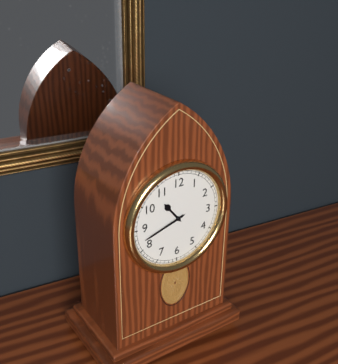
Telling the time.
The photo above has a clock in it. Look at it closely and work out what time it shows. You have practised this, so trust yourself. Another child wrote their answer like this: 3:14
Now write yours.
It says 10:42
